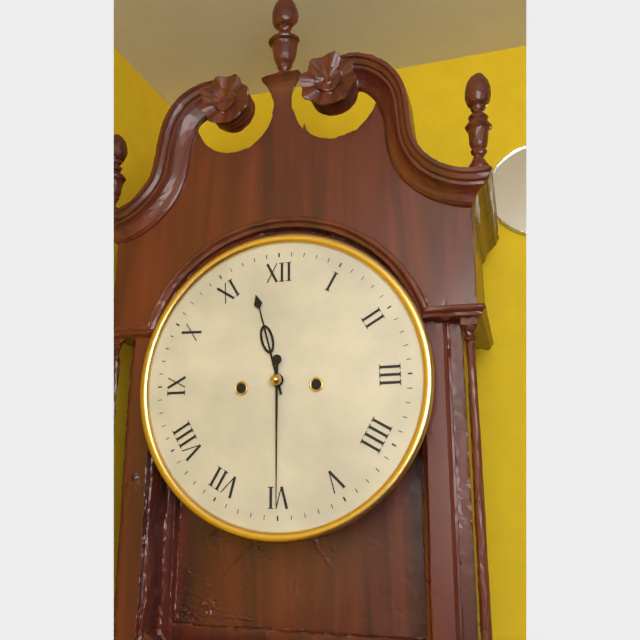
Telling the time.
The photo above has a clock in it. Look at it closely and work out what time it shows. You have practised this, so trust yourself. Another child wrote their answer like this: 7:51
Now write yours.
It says 11:30
